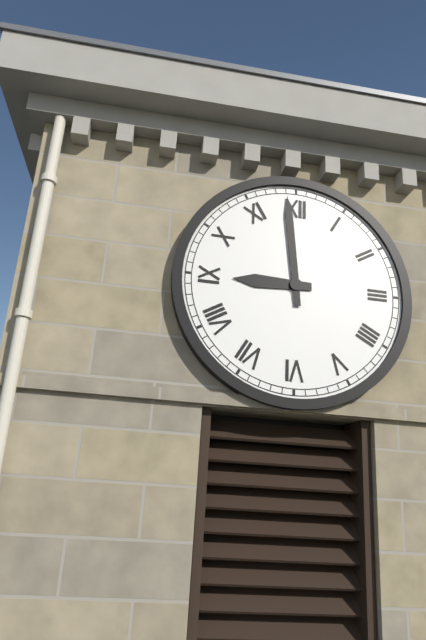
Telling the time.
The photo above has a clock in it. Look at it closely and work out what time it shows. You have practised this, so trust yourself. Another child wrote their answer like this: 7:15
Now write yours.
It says 8:59
